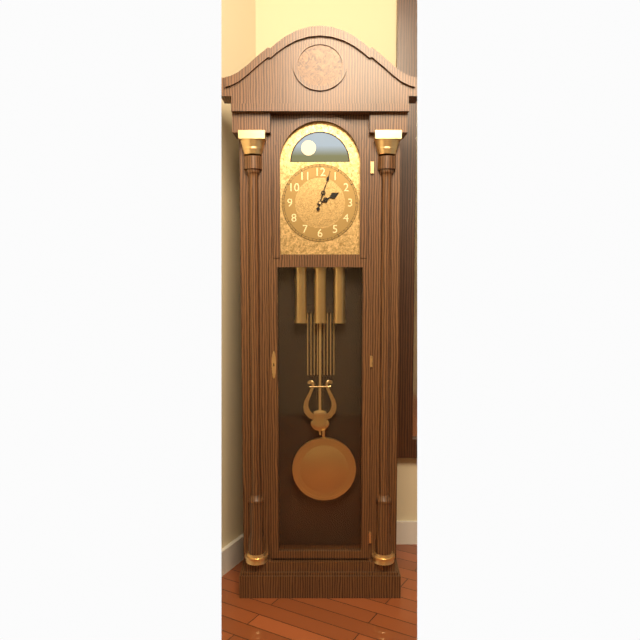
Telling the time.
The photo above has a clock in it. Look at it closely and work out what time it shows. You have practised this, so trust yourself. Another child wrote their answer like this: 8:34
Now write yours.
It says 2:03
